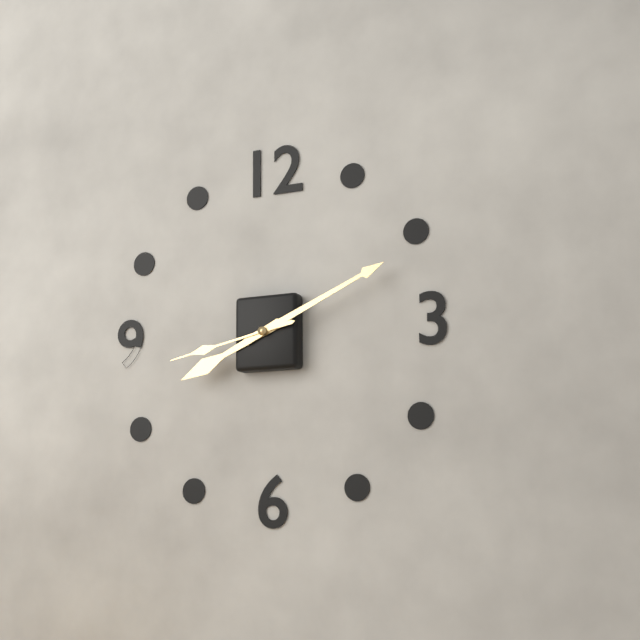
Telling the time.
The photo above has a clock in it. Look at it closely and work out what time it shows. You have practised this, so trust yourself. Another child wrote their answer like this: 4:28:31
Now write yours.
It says 8:11:43
